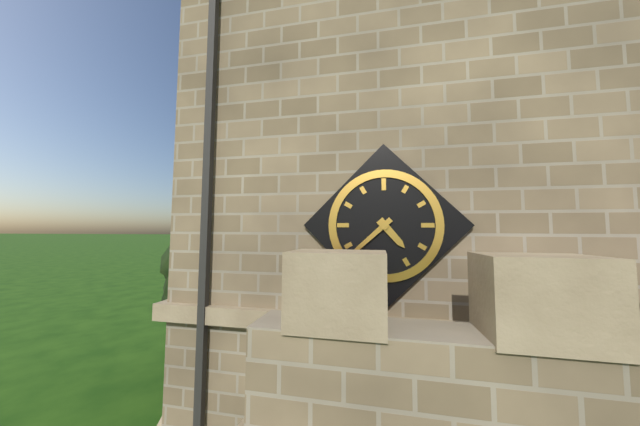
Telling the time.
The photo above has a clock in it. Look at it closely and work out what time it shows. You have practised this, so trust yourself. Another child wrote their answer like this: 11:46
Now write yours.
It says 4:38
